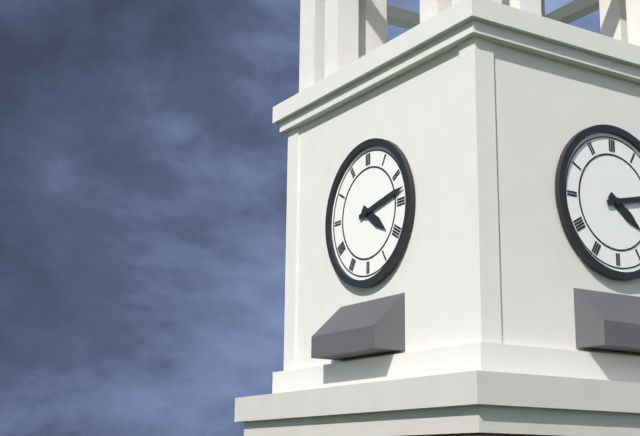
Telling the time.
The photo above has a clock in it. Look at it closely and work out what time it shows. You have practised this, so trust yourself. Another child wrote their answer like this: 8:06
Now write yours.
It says 4:13
